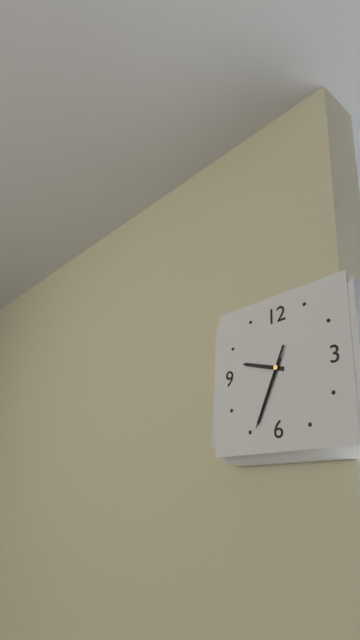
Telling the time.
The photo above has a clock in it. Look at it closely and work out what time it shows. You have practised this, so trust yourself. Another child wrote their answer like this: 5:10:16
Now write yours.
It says 9:34:34
